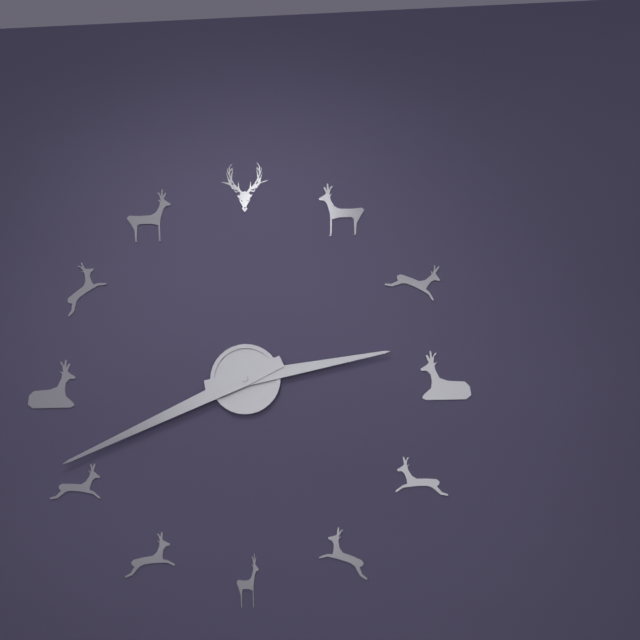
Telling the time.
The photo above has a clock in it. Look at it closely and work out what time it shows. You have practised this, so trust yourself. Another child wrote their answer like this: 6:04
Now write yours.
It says 2:41
